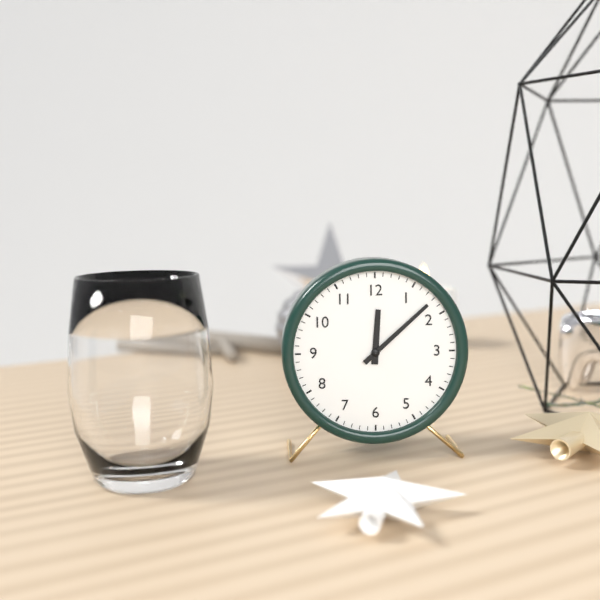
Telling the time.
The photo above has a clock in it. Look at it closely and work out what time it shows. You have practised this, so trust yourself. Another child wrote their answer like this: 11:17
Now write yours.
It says 12:08
